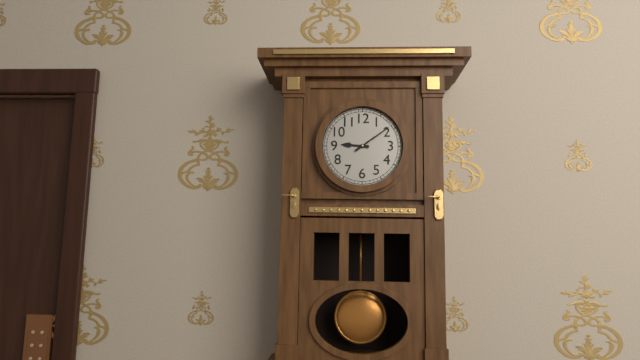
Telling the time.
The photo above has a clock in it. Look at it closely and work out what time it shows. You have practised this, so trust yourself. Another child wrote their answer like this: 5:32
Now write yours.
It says 9:09
